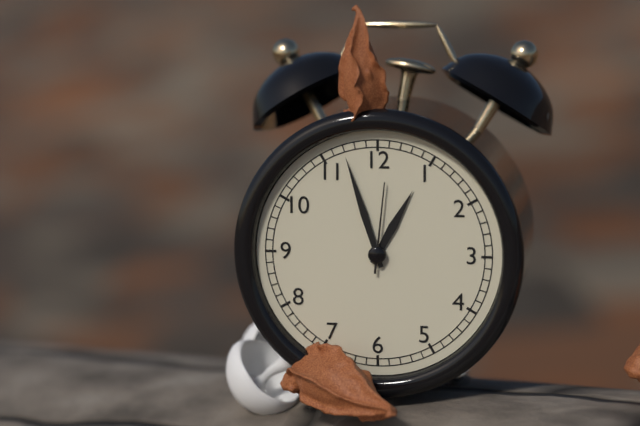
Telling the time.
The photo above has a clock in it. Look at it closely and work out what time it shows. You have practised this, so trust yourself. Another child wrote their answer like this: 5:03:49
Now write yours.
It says 12:57:01
